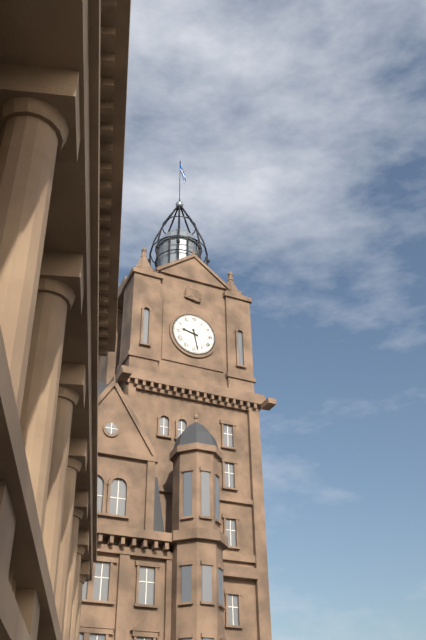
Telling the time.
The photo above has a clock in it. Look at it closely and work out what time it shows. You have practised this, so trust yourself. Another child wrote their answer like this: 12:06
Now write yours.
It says 9:28
